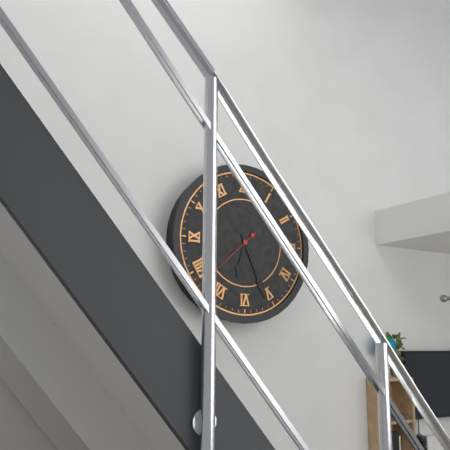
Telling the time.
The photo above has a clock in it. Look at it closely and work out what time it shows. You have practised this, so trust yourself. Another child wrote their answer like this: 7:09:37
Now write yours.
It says 6:26:38
